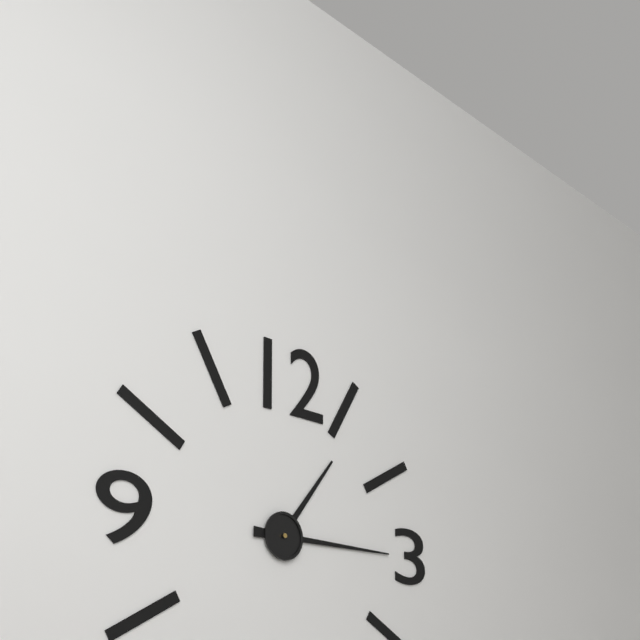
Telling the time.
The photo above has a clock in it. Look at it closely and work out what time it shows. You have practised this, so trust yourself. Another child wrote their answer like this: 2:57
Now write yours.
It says 1:15
